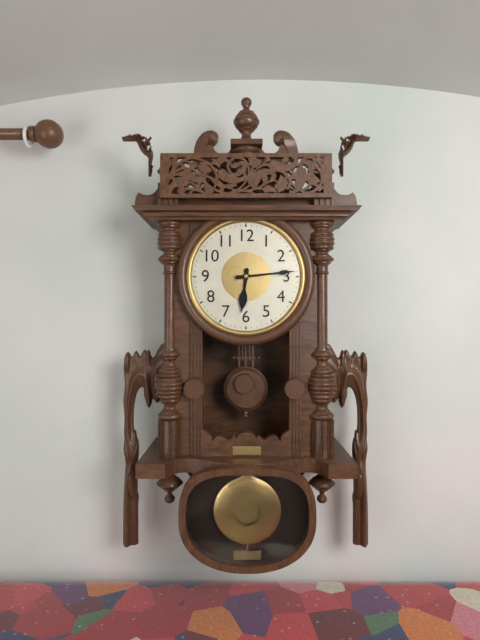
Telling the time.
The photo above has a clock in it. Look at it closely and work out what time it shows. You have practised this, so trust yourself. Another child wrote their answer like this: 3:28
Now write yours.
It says 6:14
